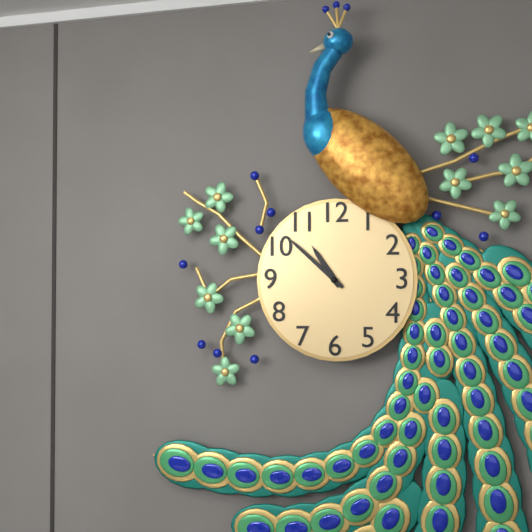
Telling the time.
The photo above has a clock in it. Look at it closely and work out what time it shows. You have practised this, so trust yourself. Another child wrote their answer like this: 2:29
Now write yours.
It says 10:52
